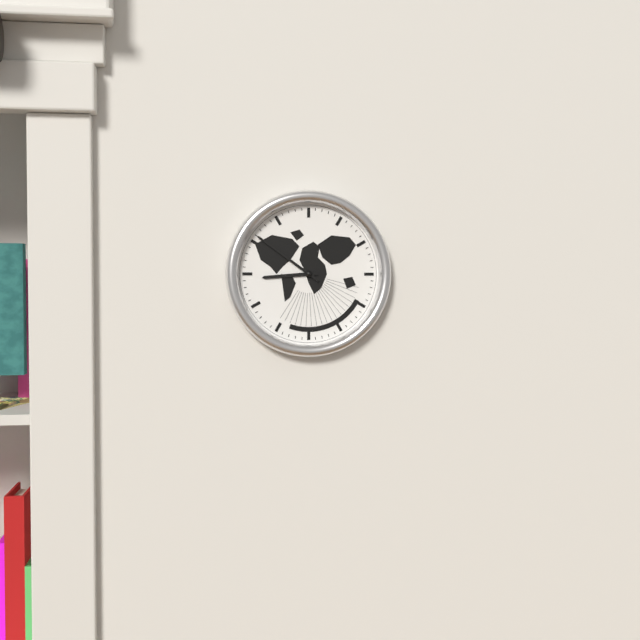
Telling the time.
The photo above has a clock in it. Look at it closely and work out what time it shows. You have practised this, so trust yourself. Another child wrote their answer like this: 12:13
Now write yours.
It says 8:51
